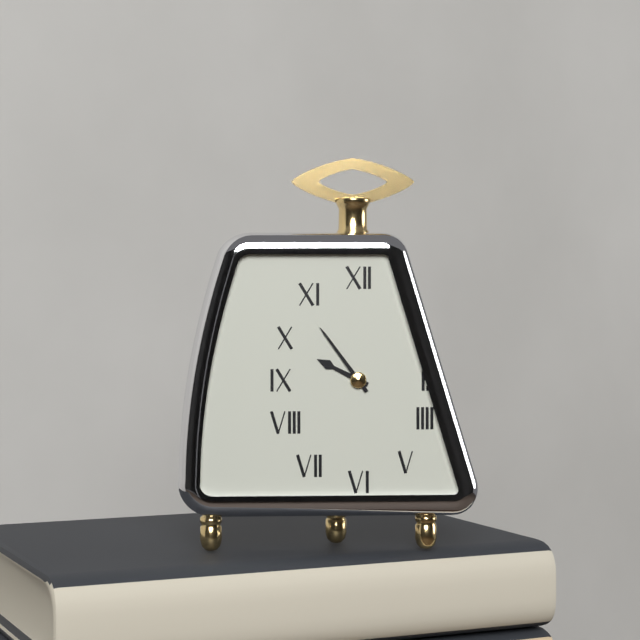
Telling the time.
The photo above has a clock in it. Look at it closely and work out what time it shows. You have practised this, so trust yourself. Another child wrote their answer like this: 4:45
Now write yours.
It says 9:54
